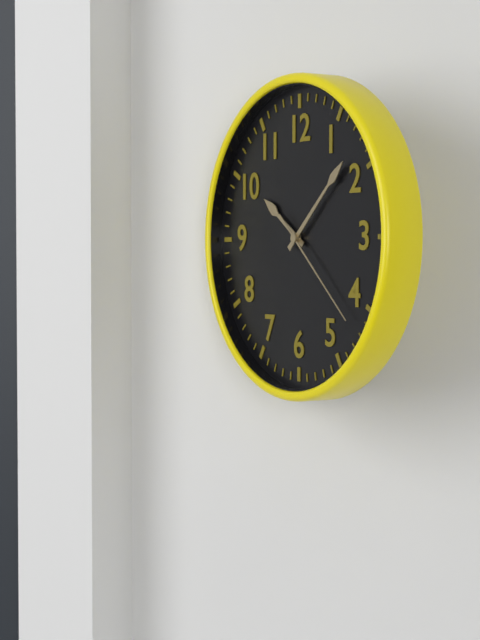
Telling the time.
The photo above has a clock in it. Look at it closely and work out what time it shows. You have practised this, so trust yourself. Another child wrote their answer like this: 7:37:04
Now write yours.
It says 10:08:22
